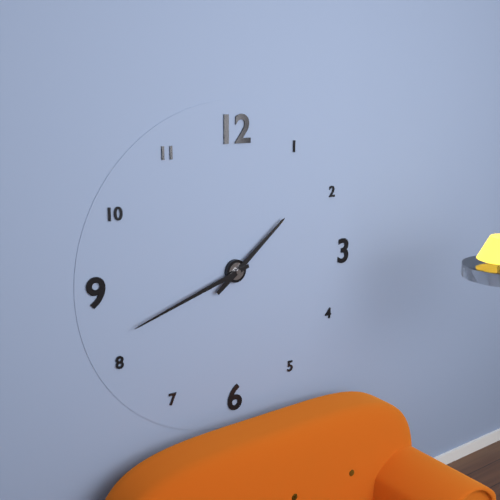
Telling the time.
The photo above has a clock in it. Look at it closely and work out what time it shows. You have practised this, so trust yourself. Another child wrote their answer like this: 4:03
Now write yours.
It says 1:42
